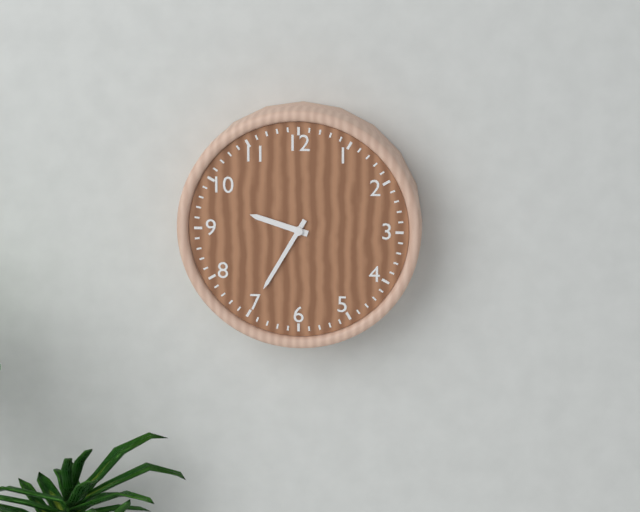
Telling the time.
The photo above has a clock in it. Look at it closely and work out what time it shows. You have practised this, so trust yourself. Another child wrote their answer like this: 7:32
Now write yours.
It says 9:35
